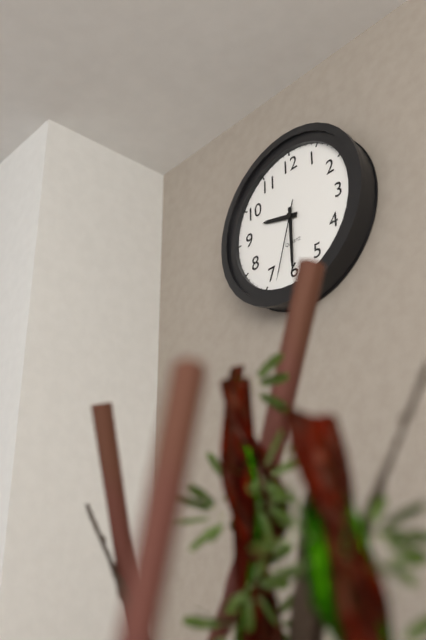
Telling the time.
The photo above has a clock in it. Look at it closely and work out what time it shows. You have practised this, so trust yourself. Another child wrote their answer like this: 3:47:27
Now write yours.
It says 9:30:33
